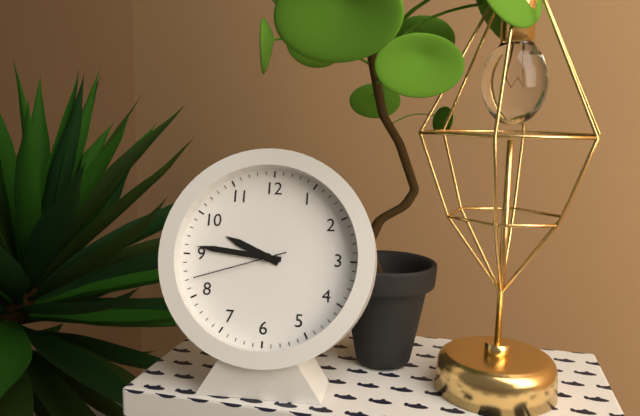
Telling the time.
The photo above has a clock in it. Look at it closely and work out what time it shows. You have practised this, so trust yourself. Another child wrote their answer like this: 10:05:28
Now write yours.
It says 9:46:42
